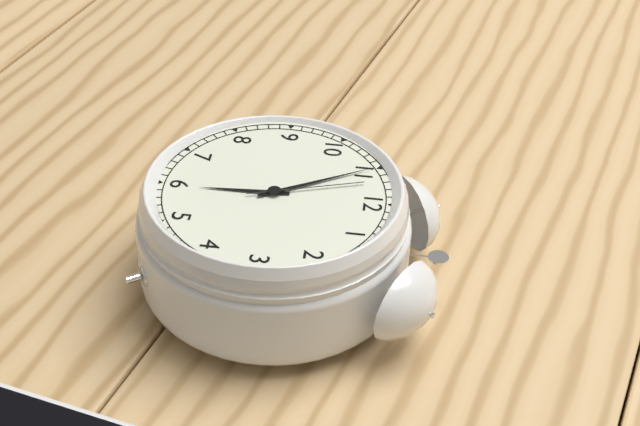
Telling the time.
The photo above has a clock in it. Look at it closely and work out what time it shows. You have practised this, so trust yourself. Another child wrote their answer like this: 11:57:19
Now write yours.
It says 5:55:57
